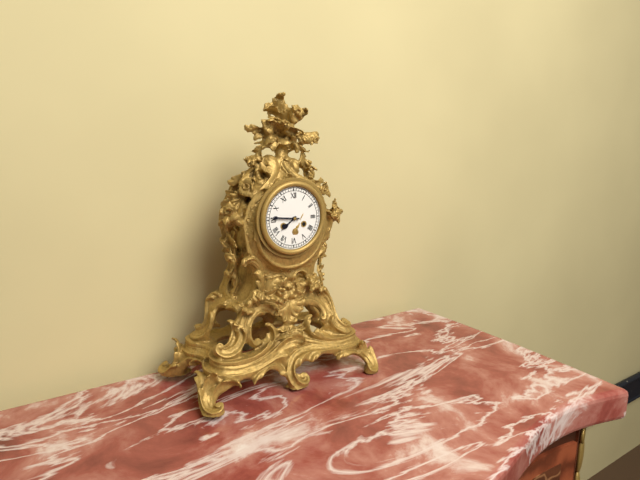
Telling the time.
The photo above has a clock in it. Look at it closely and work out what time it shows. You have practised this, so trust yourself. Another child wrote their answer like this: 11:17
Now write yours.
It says 7:46
